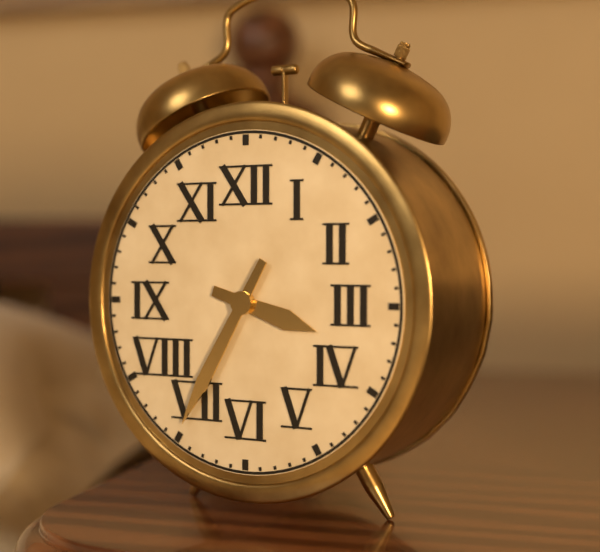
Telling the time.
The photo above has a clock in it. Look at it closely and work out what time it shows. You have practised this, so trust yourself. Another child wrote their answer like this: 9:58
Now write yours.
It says 3:35
